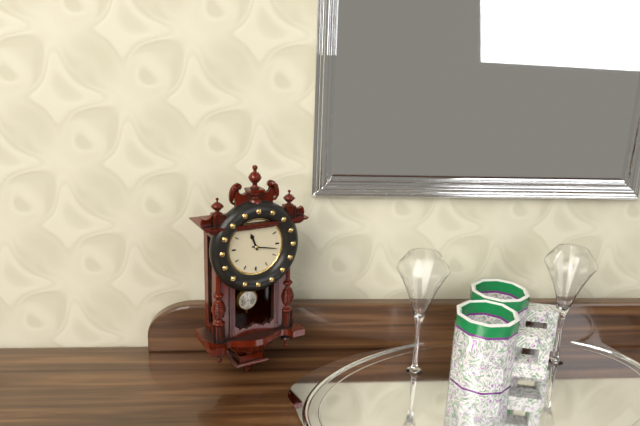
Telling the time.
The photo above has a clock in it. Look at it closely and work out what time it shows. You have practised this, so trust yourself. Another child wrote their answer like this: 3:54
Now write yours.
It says 11:17
